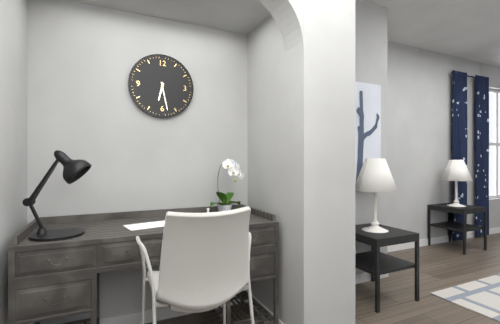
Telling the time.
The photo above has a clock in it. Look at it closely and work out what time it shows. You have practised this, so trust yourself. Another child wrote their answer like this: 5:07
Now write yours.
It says 6:28
